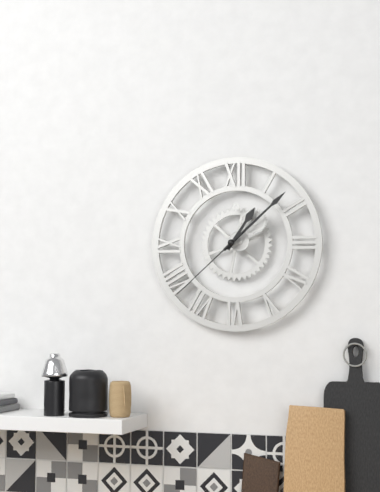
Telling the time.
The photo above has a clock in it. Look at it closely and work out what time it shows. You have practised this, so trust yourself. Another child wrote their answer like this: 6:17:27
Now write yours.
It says 1:08:38
